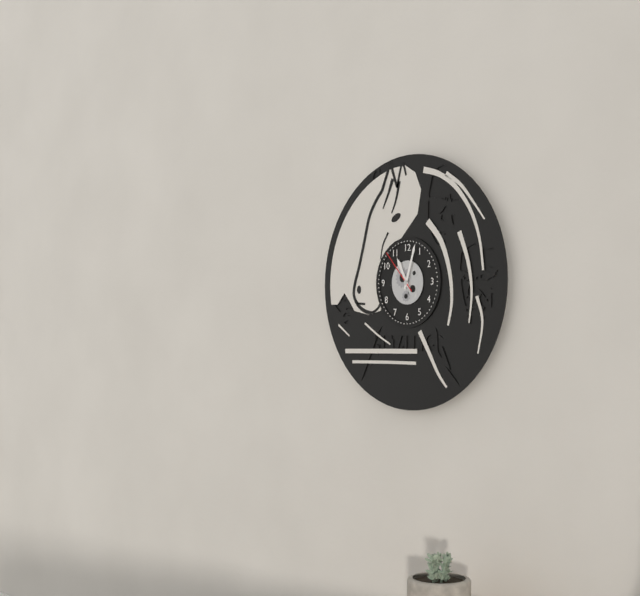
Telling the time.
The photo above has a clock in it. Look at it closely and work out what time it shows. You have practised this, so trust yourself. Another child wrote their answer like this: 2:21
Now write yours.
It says 11:03
